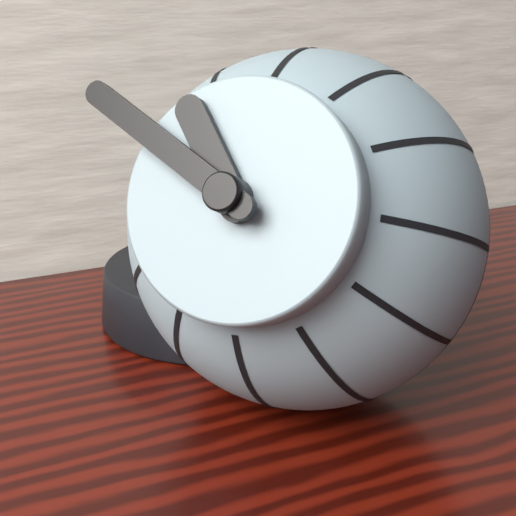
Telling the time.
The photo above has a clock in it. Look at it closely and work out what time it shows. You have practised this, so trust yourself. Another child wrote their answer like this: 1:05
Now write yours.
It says 10:50
